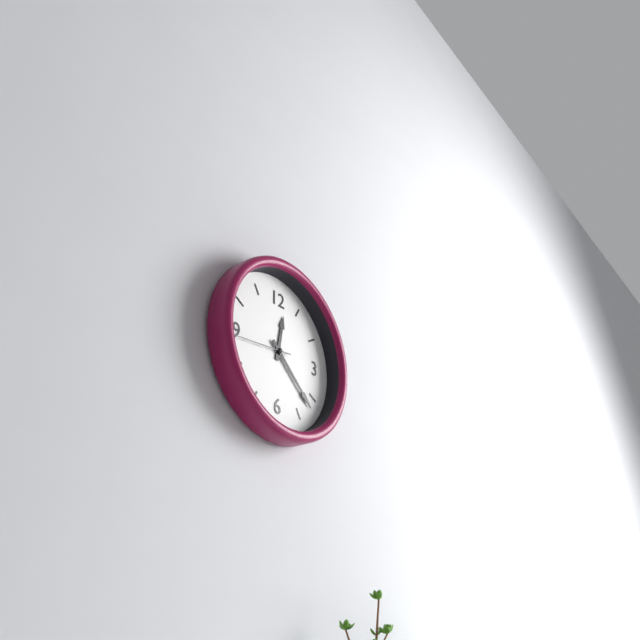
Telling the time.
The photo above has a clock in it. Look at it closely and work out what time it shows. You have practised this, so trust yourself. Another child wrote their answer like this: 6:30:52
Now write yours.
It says 12:22:44
